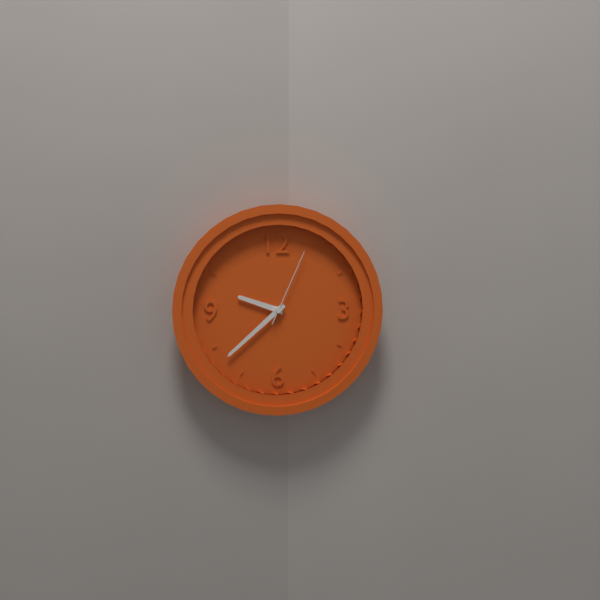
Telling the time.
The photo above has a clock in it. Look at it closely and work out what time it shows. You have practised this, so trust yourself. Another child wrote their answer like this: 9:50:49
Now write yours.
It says 9:38:04
